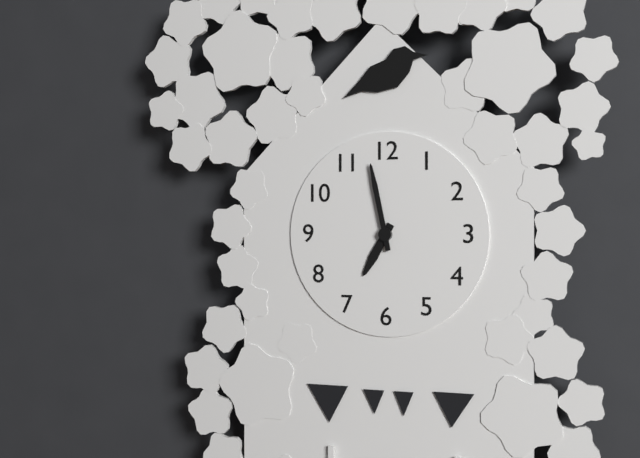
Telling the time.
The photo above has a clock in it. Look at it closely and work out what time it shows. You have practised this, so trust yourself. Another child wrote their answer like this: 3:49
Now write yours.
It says 6:58
